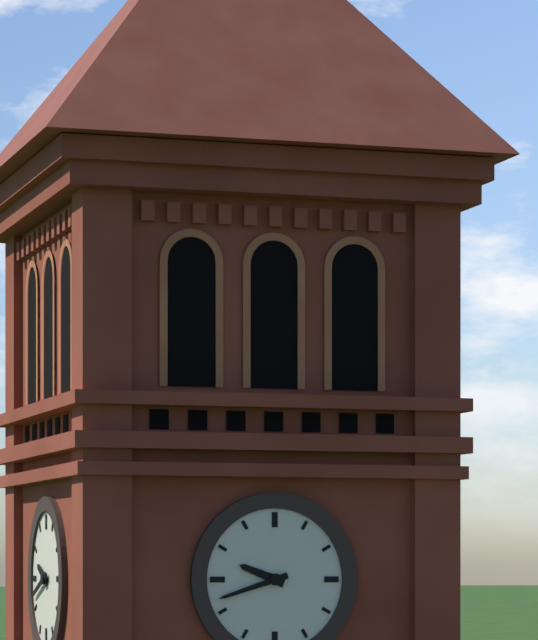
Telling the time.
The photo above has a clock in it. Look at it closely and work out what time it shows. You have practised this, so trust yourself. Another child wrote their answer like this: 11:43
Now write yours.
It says 9:42
